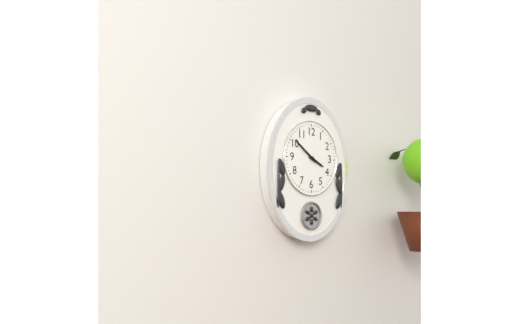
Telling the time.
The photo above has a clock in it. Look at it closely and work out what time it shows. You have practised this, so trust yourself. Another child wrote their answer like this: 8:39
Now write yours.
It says 3:51
